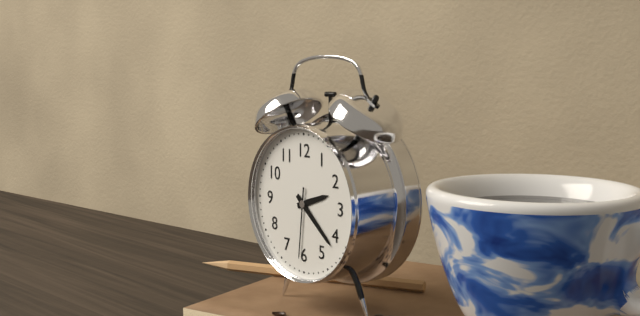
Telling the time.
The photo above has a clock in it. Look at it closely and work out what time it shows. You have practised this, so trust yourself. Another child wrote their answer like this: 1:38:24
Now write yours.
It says 2:22:31
